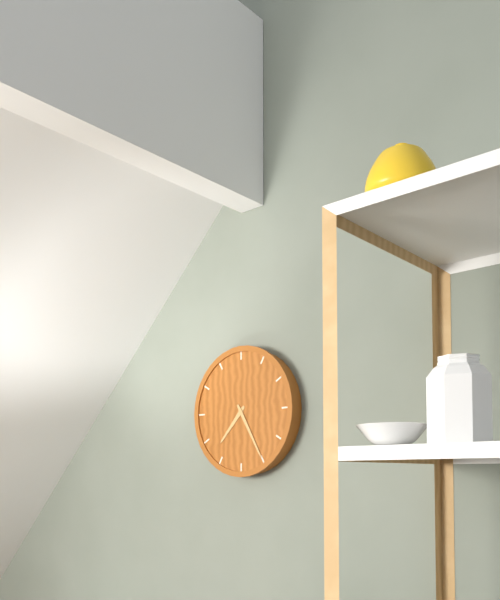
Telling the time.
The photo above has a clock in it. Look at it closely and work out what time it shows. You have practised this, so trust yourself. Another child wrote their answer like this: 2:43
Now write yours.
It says 7:25
